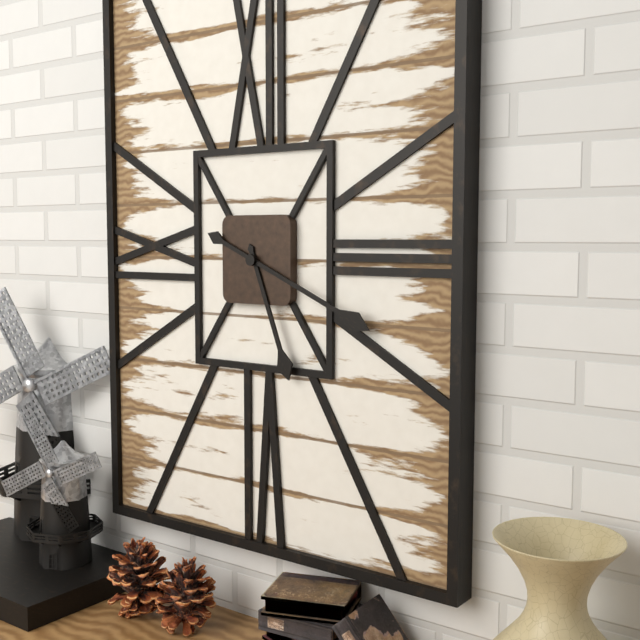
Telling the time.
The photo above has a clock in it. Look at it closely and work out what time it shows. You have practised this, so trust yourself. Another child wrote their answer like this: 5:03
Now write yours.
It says 5:19
